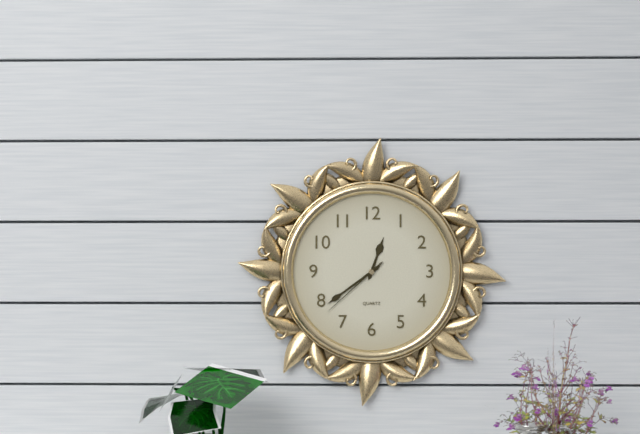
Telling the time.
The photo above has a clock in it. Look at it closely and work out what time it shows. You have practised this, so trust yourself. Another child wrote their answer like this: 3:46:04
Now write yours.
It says 12:39:38
